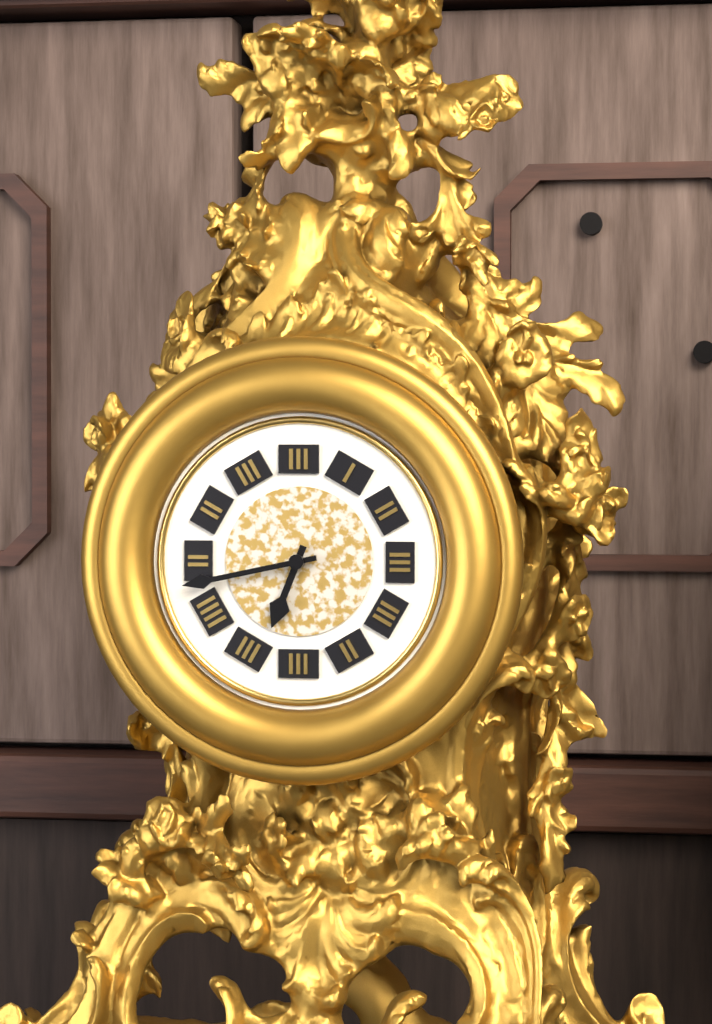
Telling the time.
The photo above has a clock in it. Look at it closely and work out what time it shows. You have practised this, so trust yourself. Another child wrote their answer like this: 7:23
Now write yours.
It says 6:43
